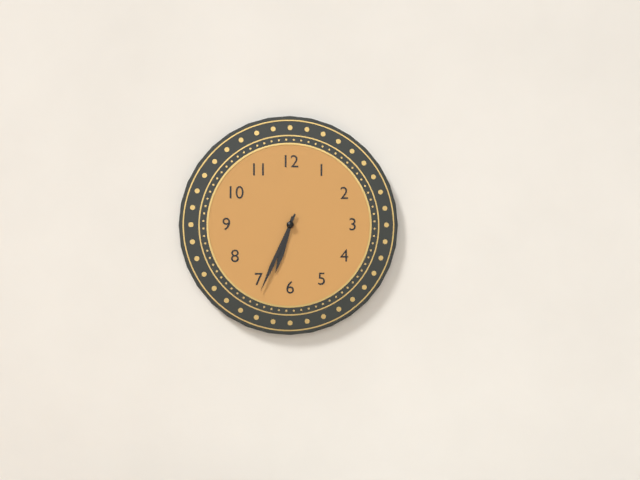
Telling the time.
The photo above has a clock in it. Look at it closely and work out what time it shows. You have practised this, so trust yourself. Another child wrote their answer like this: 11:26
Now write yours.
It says 6:34
